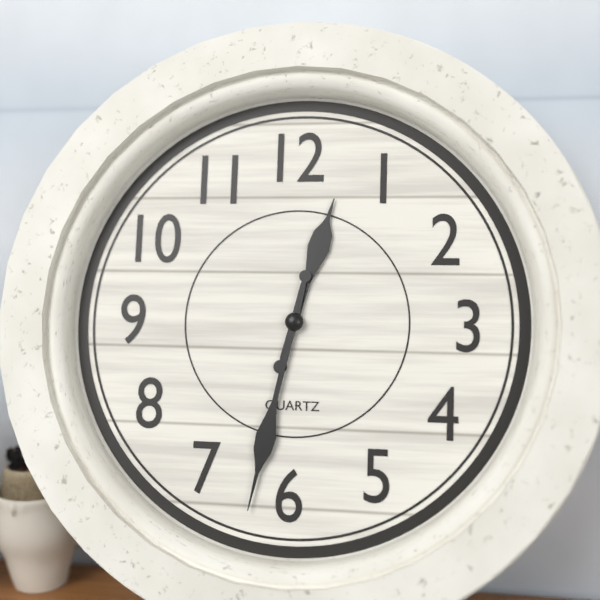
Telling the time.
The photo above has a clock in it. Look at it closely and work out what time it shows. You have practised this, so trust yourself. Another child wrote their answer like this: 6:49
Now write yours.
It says 12:32
